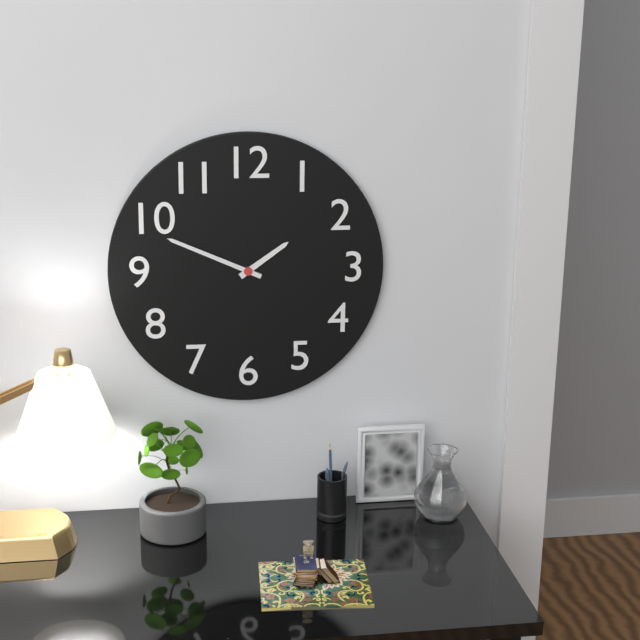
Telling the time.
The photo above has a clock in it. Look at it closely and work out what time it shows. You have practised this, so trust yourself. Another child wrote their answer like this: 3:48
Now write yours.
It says 1:49
